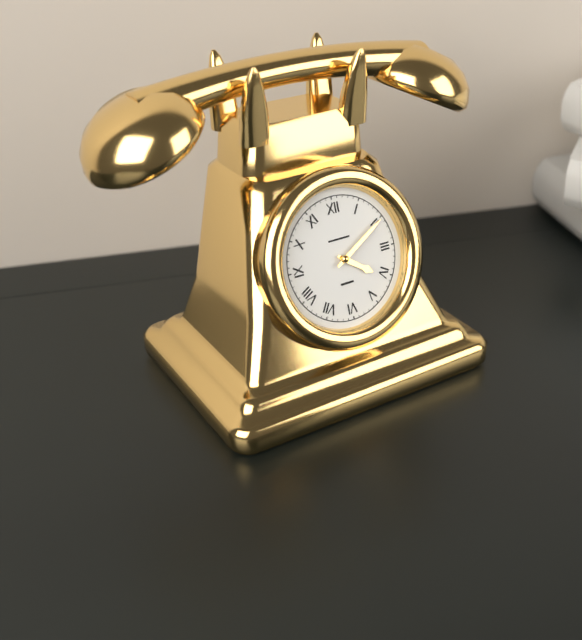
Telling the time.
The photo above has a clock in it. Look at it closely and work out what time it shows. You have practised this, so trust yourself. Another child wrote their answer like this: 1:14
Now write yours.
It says 4:10
